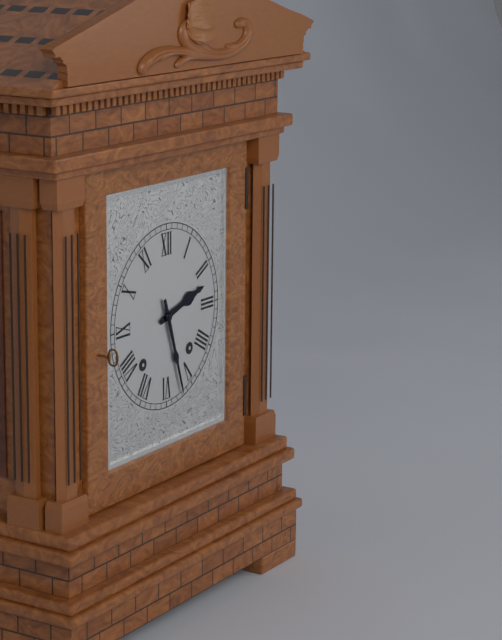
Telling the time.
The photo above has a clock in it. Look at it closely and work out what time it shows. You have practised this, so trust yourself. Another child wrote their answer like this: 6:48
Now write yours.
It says 2:27
